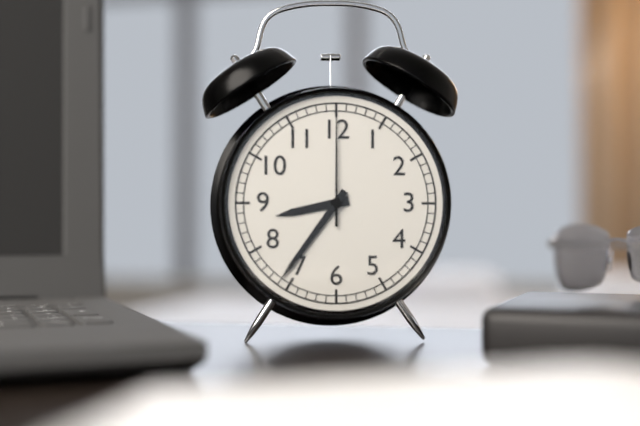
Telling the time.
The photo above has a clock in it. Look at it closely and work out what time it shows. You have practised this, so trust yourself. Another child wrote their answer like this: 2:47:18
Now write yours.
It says 8:36:00
